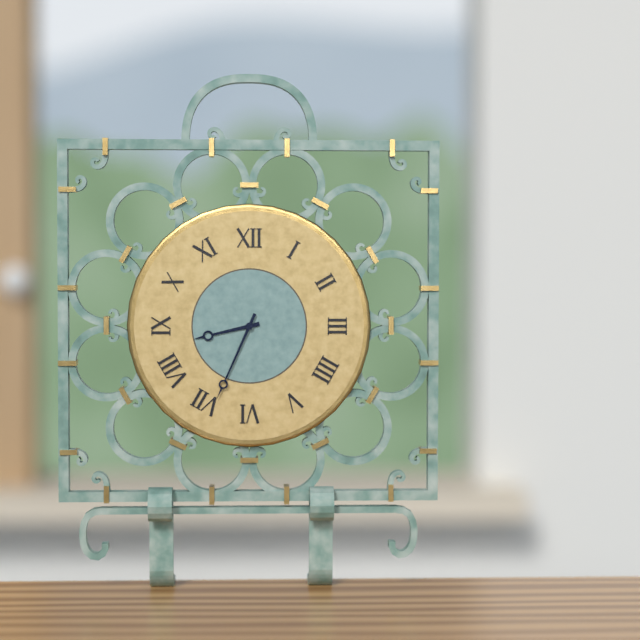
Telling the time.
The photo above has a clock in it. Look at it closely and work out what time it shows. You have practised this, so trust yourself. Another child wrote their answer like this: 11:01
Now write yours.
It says 8:34
